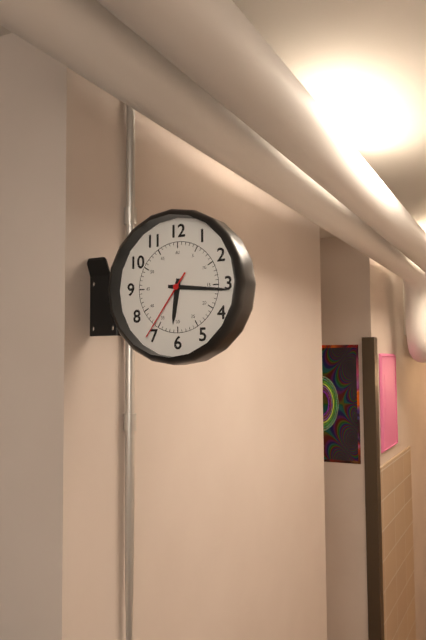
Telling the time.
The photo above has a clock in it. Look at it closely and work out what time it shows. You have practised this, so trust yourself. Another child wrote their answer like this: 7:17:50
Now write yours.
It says 6:16:36
